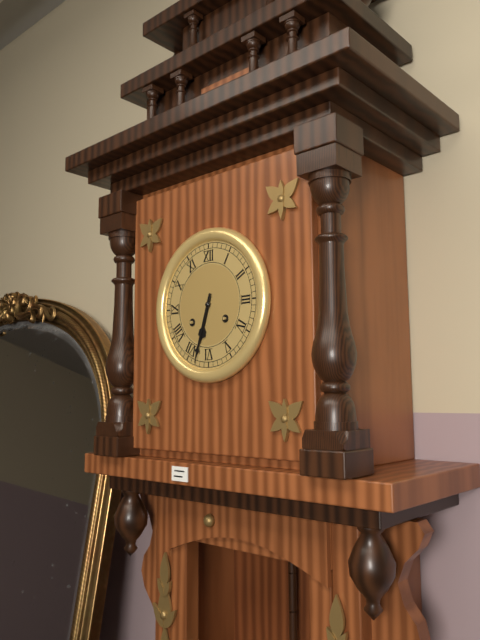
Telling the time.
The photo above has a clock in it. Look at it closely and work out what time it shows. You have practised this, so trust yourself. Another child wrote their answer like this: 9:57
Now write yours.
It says 6:33
